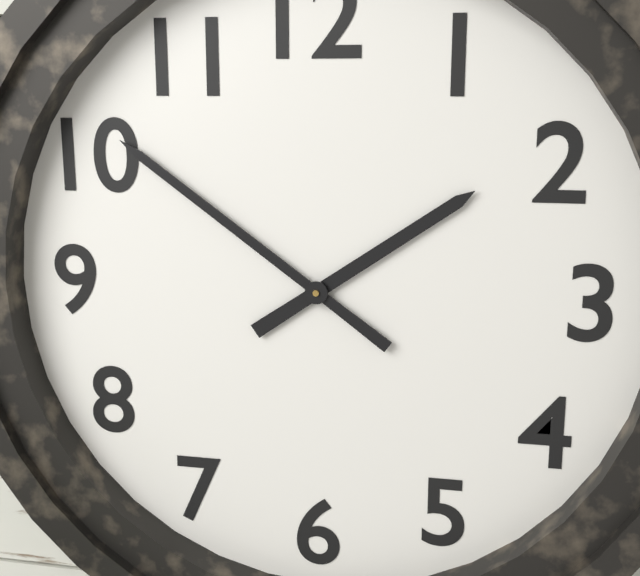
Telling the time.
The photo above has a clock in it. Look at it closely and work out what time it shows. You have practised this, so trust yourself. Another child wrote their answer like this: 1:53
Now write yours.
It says 1:51
